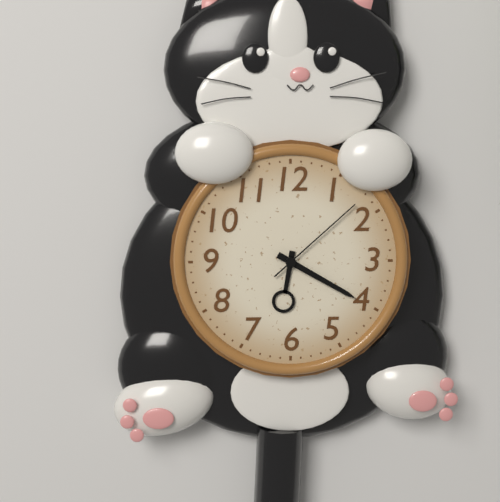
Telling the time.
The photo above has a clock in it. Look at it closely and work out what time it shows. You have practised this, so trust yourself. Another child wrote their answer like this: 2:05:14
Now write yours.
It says 6:20:08
